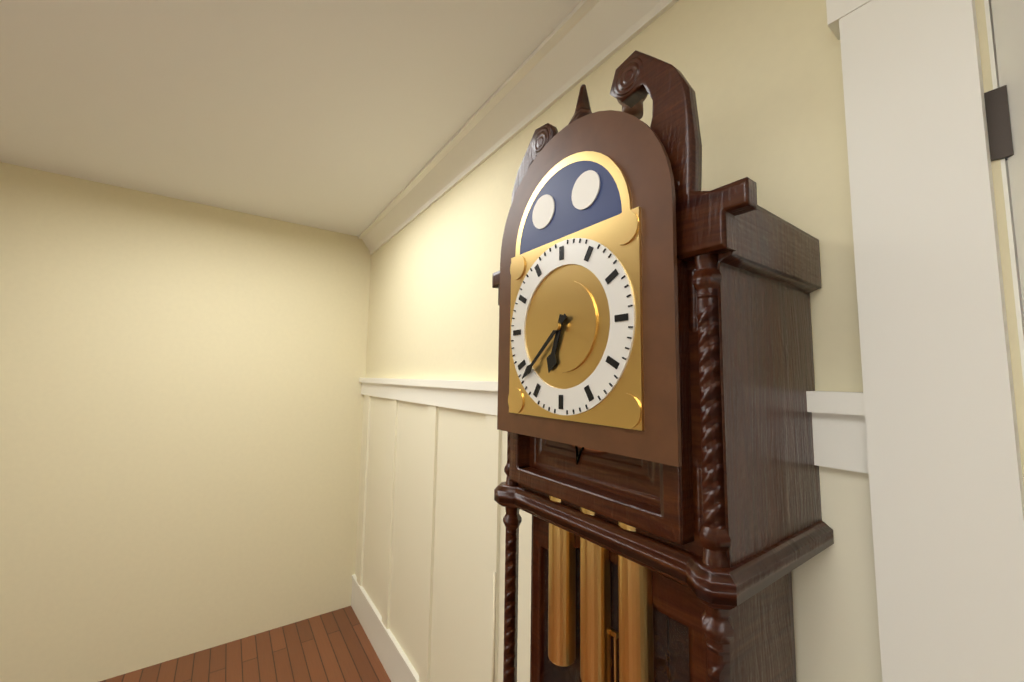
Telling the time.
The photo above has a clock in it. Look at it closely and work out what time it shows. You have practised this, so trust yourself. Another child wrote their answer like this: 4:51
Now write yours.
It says 6:38
